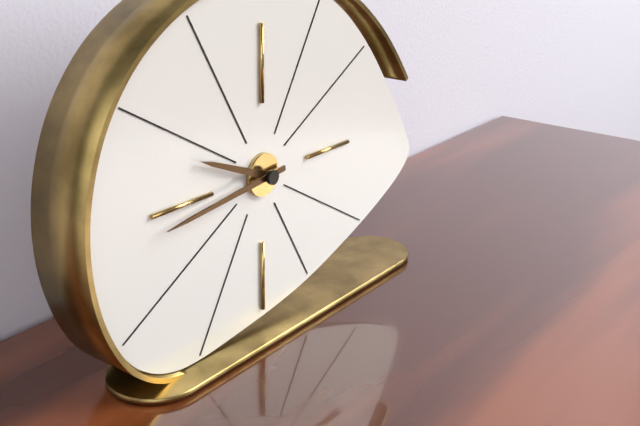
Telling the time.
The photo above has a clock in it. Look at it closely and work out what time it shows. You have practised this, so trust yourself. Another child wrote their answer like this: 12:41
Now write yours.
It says 9:44
